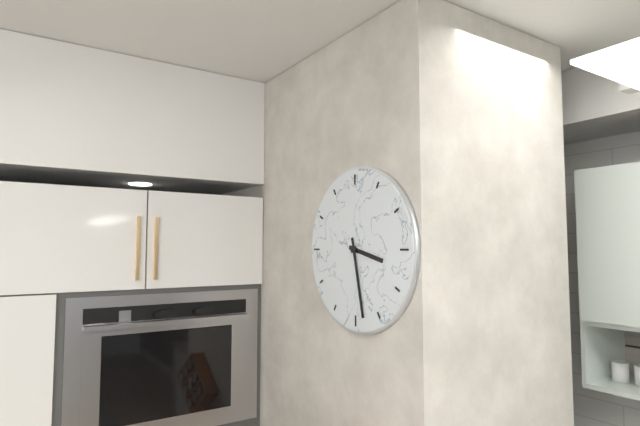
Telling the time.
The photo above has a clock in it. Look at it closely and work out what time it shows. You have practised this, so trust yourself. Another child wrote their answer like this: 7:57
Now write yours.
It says 3:28
